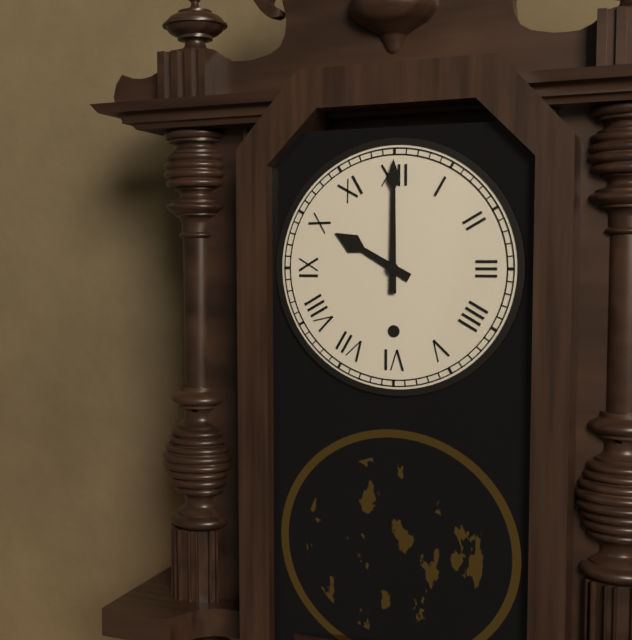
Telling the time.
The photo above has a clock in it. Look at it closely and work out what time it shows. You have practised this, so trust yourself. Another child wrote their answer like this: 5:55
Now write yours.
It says 10:00
